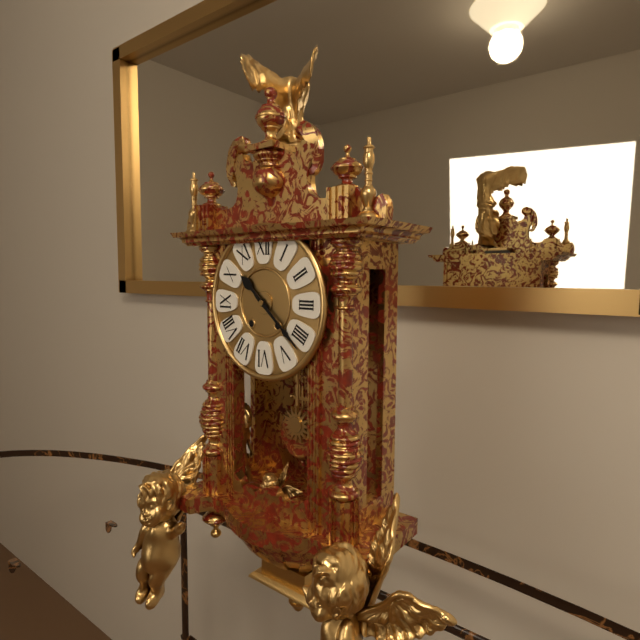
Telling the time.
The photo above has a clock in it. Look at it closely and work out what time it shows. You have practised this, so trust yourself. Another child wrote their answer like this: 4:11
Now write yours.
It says 10:22
